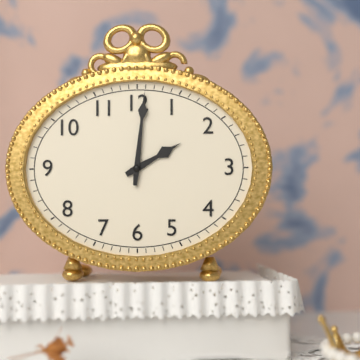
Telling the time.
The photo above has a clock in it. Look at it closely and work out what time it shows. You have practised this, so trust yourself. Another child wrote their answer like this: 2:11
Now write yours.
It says 2:01
